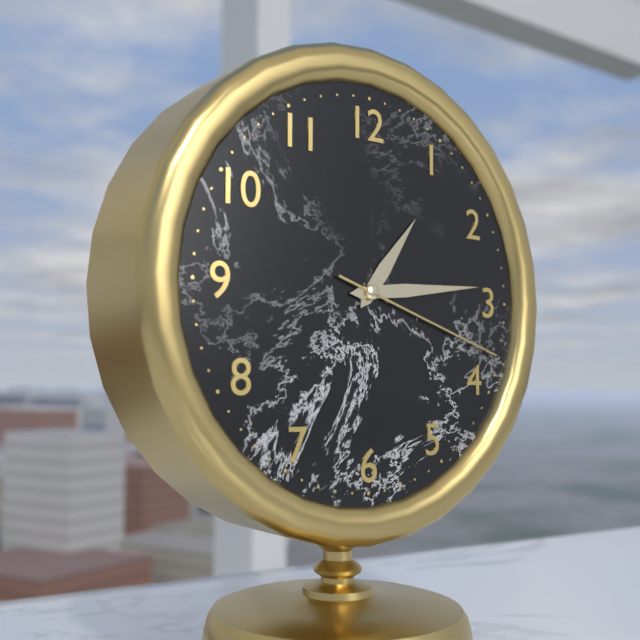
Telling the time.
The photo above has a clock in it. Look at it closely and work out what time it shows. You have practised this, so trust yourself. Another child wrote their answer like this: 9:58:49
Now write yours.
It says 1:14:18
